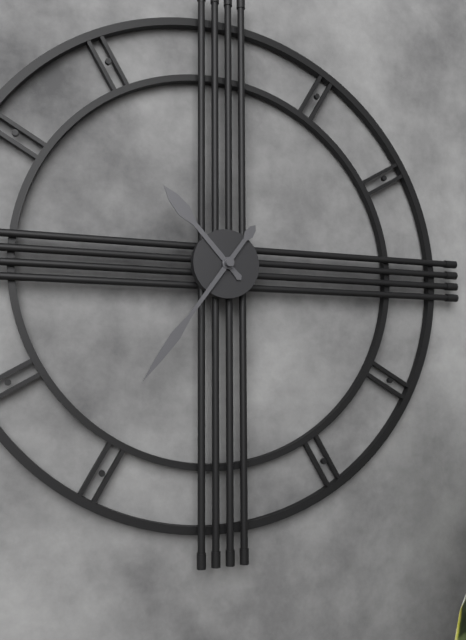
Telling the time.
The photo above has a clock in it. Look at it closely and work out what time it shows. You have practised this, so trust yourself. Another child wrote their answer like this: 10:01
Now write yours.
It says 10:36
